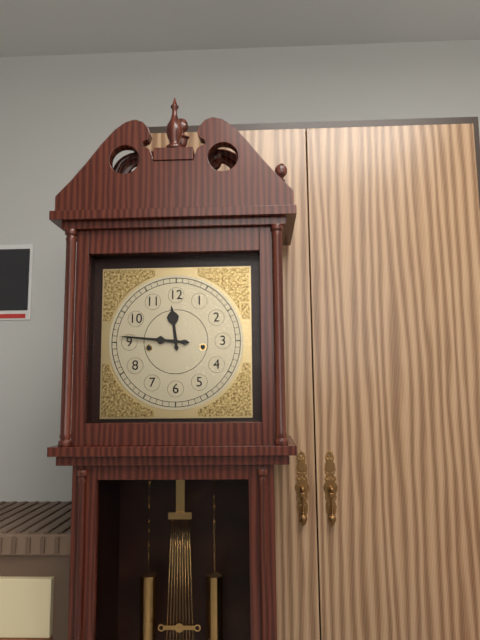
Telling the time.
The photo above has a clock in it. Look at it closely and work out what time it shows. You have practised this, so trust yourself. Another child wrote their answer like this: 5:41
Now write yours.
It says 11:46
